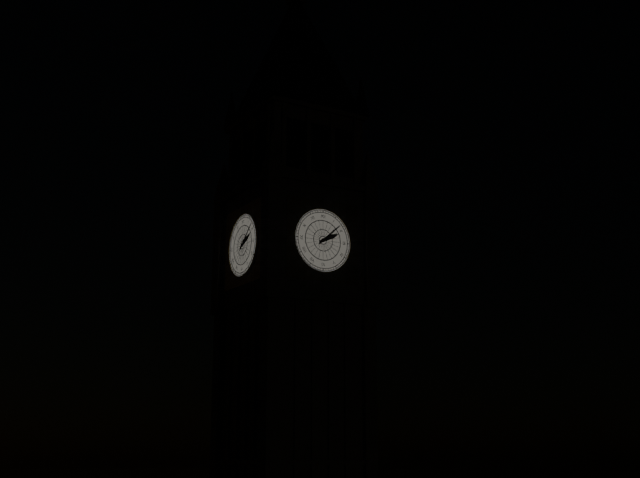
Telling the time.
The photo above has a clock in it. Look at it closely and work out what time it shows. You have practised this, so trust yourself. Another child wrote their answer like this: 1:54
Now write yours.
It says 2:08
